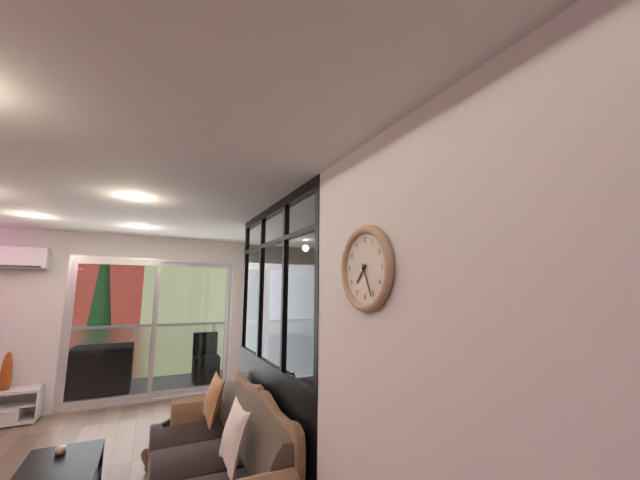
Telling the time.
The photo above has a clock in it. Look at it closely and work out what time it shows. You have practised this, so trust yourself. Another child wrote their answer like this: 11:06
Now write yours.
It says 7:26
